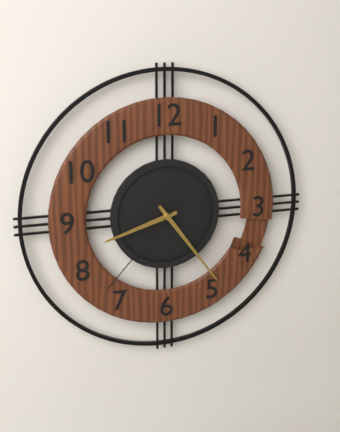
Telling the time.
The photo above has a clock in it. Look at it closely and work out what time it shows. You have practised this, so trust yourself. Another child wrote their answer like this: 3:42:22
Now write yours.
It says 8:24:37
